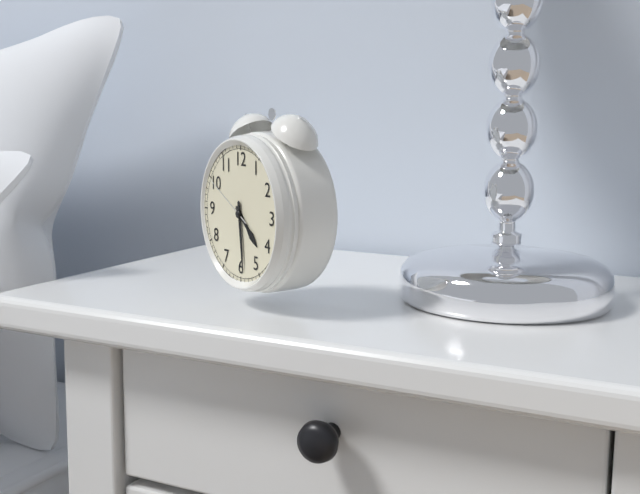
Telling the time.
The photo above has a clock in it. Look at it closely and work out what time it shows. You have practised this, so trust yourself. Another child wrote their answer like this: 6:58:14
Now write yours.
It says 4:29:50
